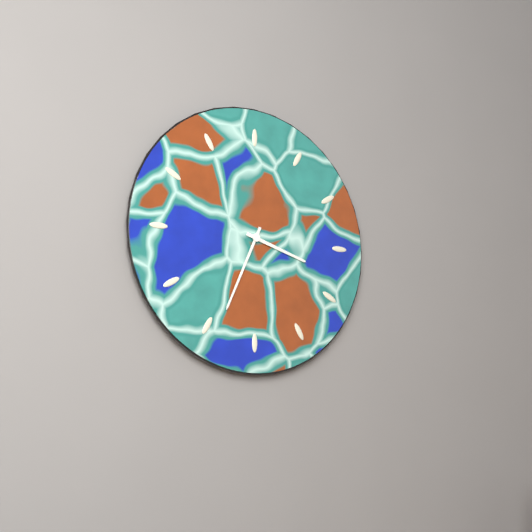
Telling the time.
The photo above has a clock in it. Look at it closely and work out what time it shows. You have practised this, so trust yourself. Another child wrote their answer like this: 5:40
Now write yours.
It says 3:34
